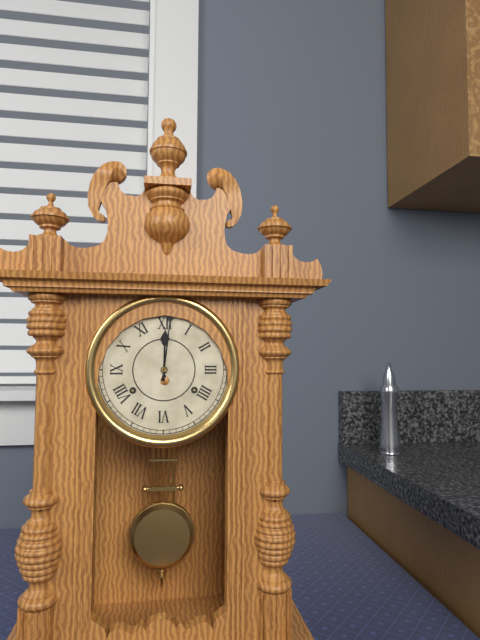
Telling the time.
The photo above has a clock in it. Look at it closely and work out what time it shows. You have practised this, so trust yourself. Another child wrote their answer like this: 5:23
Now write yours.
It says 12:01
